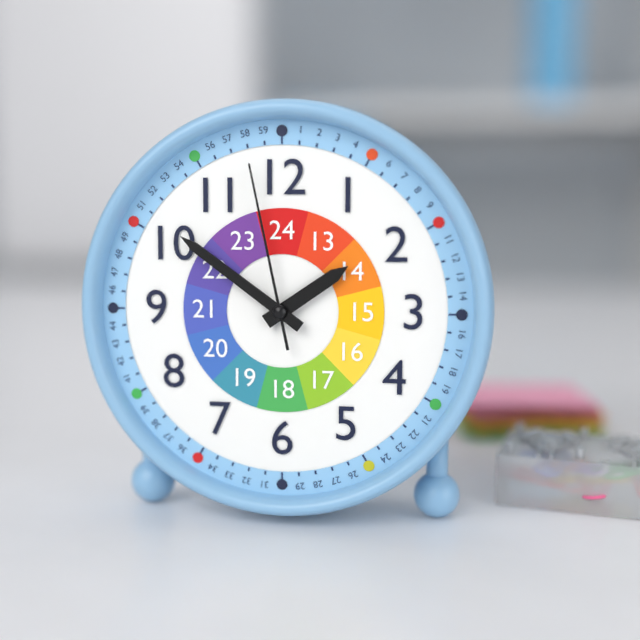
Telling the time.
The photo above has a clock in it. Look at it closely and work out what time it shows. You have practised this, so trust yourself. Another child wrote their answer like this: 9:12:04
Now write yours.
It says 1:51:58
